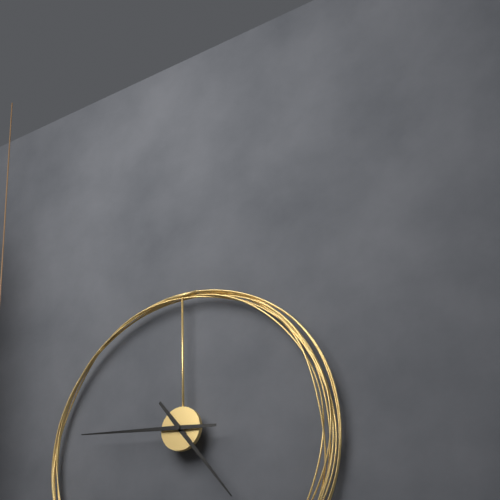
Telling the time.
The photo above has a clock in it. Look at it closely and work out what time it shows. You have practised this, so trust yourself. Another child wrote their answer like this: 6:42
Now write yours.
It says 4:46
